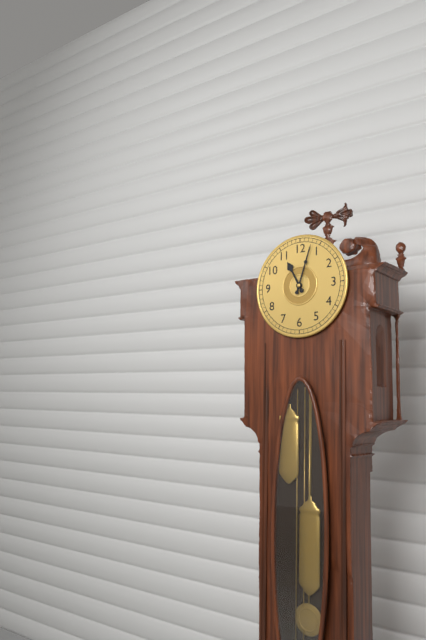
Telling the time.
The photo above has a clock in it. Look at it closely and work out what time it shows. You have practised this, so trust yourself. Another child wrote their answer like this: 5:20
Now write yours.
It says 11:03
